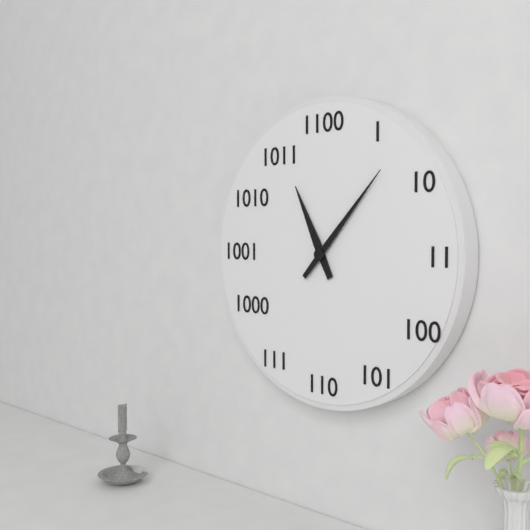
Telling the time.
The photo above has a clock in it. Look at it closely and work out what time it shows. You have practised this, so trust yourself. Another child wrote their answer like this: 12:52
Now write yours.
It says 11:07
